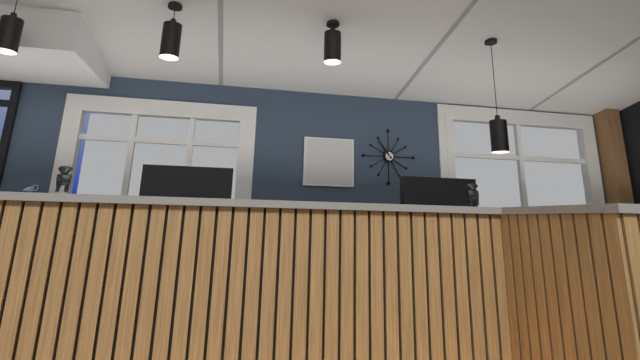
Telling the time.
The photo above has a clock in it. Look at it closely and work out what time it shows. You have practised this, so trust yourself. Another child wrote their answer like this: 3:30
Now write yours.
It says 10:53
